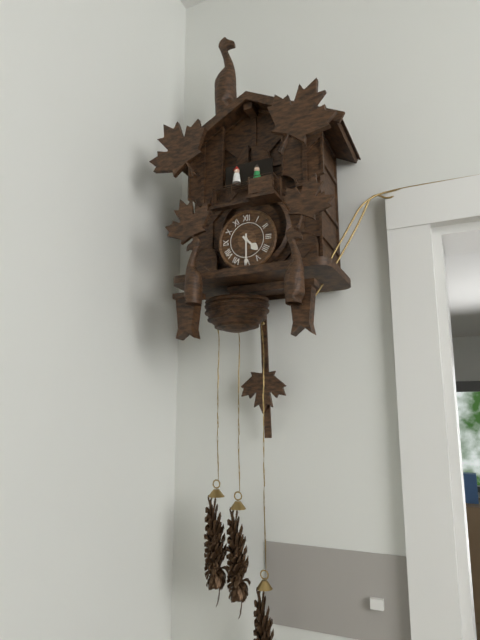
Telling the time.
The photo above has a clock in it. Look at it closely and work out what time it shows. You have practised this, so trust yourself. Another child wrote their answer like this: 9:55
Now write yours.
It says 4:30
